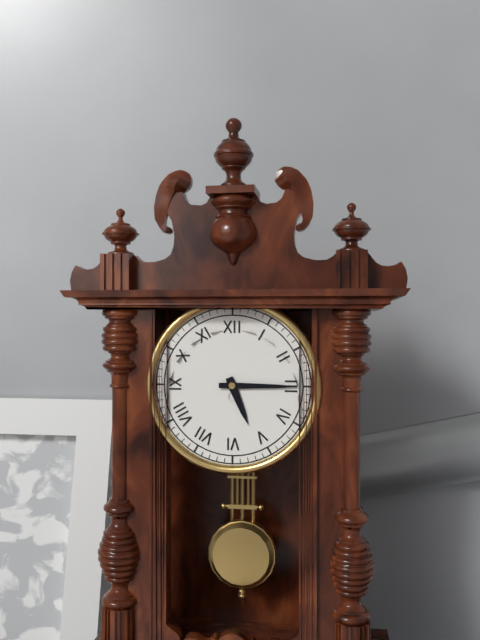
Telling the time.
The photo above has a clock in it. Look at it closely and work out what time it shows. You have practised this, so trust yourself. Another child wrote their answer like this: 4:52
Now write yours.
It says 5:15
